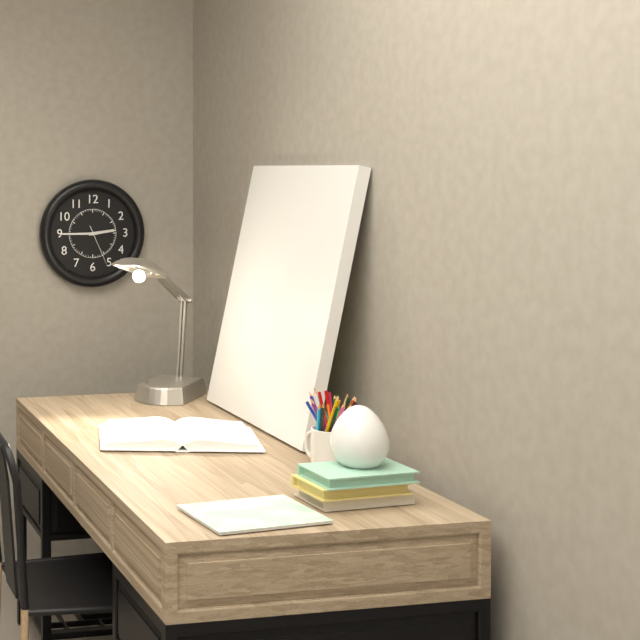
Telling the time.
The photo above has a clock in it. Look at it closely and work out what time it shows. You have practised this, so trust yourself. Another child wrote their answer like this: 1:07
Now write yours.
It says 2:45
